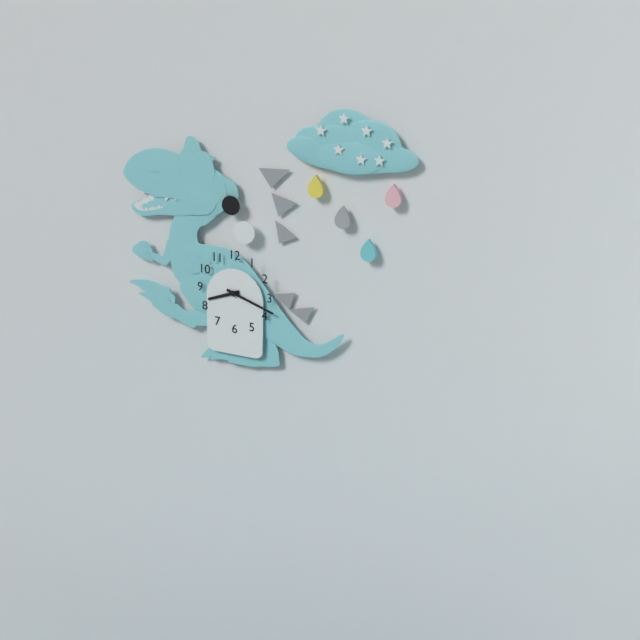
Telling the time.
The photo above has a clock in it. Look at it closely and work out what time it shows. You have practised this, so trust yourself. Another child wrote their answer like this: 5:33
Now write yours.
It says 8:18
